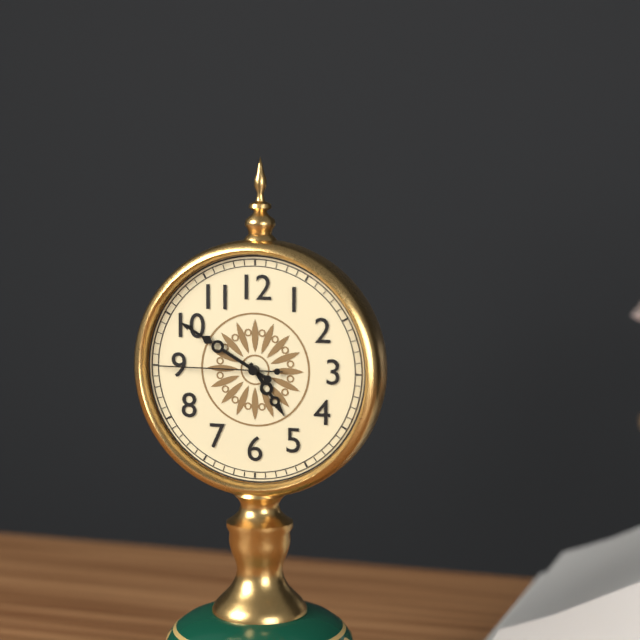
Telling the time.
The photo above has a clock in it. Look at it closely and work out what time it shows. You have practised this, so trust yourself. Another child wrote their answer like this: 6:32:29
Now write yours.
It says 4:50:45
